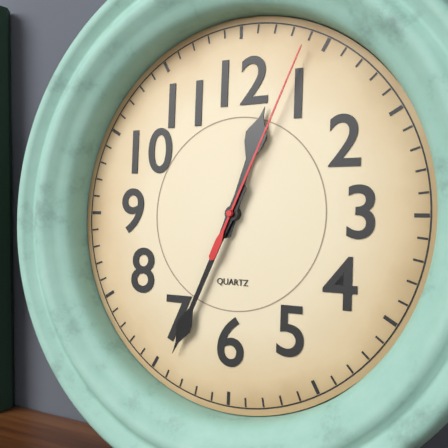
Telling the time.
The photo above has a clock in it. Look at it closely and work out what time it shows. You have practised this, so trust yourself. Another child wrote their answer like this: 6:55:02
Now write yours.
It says 12:34:04
